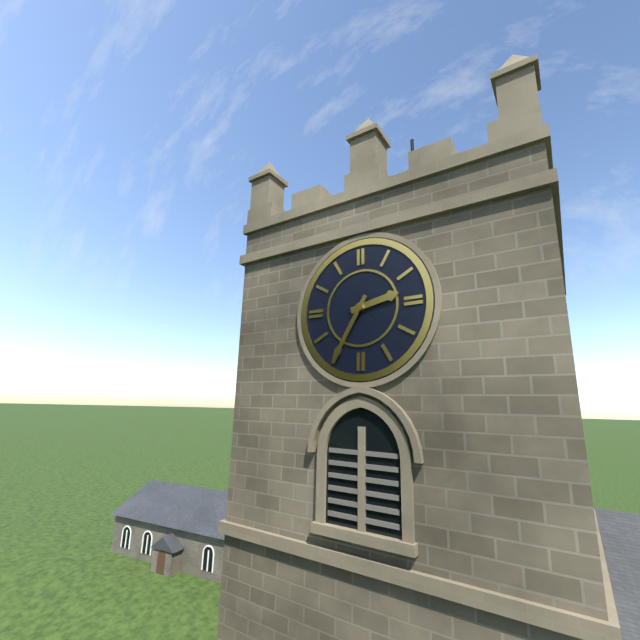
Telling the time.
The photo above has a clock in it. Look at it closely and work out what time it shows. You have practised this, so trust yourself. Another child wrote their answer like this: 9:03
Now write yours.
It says 2:35
